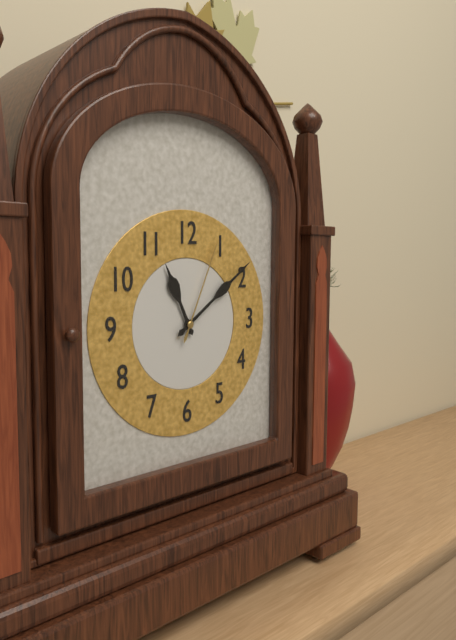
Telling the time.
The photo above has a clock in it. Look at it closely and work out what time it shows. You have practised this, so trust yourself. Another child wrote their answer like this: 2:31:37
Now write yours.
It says 11:09:04
